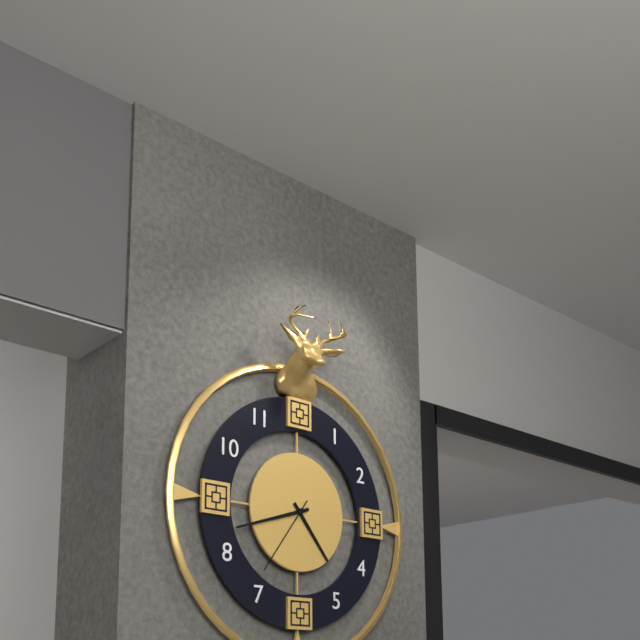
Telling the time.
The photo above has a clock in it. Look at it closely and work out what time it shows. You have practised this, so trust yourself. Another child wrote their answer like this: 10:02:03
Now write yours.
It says 4:42:36
